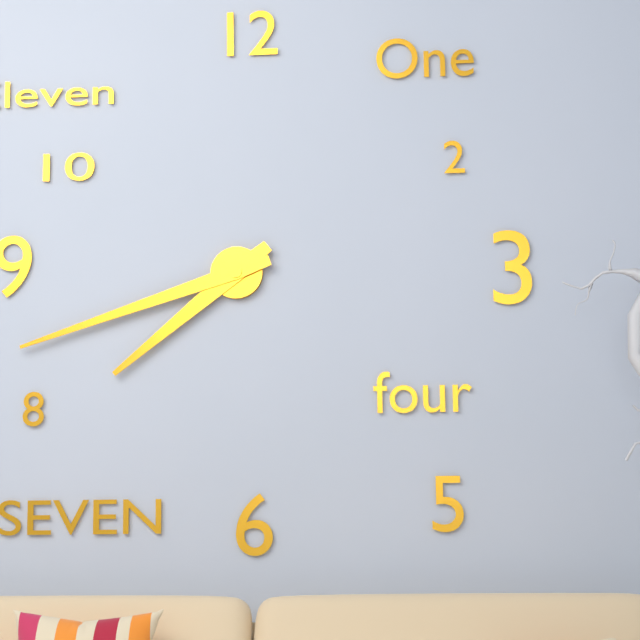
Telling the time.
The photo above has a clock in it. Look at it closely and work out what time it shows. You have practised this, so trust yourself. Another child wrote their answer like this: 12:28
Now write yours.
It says 7:42
